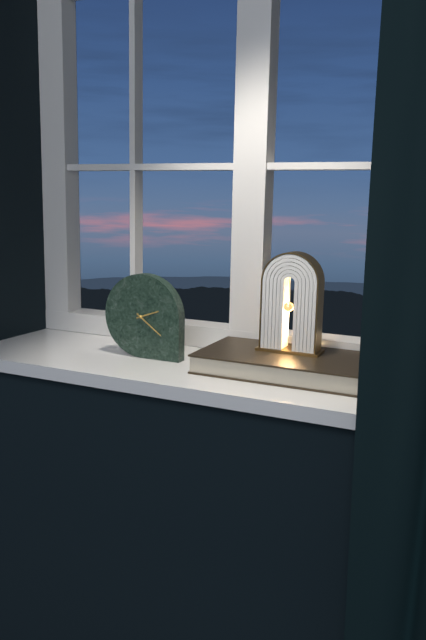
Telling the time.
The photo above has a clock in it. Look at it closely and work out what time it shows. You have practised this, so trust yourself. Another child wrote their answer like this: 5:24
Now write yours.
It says 2:21
